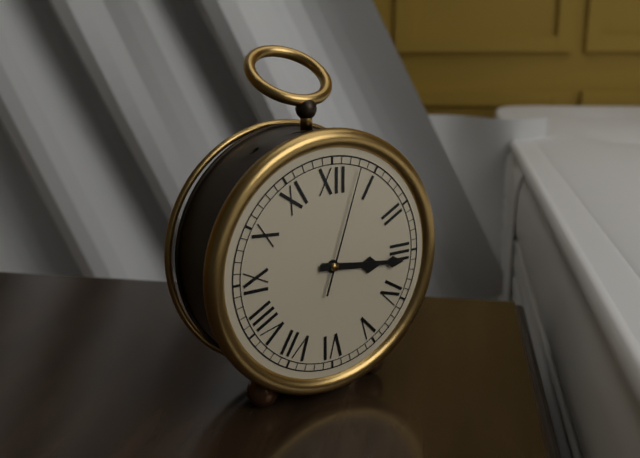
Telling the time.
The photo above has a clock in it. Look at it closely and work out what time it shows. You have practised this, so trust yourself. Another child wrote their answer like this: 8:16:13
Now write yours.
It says 3:16:03
